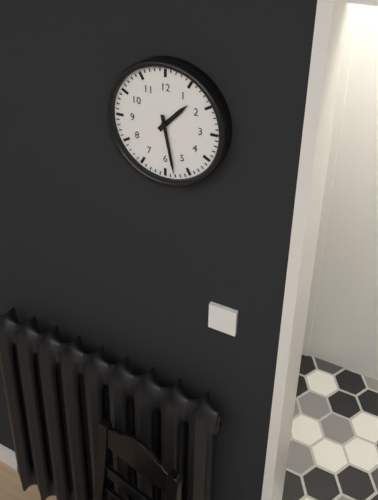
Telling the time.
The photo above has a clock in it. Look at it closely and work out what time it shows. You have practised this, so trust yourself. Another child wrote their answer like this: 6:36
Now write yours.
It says 1:28
